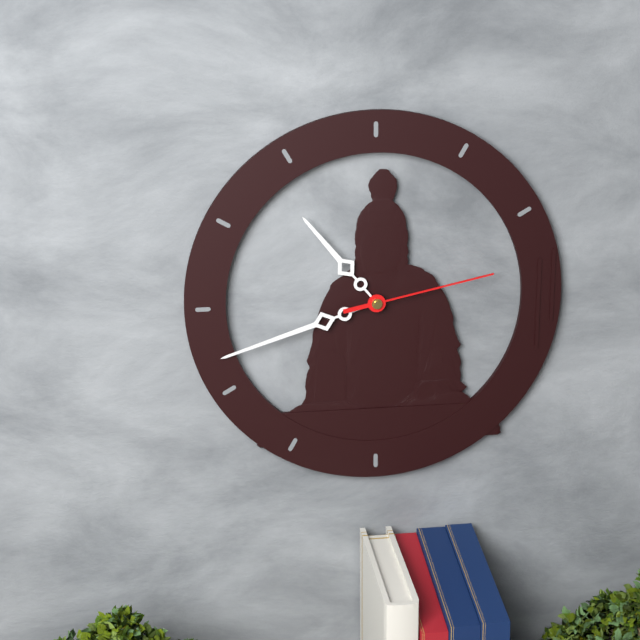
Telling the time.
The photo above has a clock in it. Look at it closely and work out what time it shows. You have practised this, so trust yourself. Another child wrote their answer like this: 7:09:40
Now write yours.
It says 10:42:13
